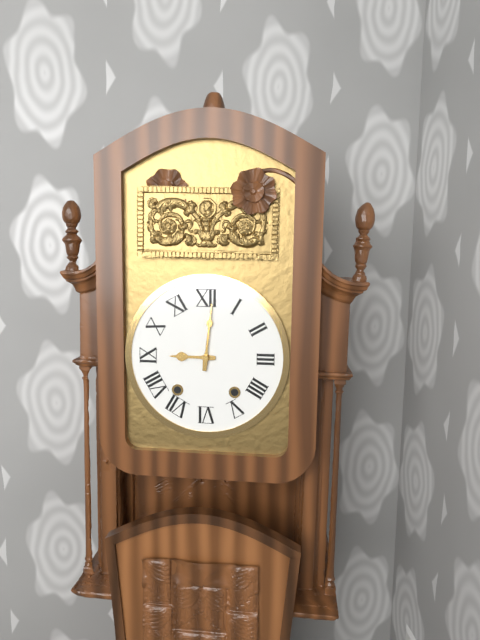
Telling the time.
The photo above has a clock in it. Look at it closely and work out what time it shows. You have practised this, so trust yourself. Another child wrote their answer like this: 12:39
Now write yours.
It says 9:01
